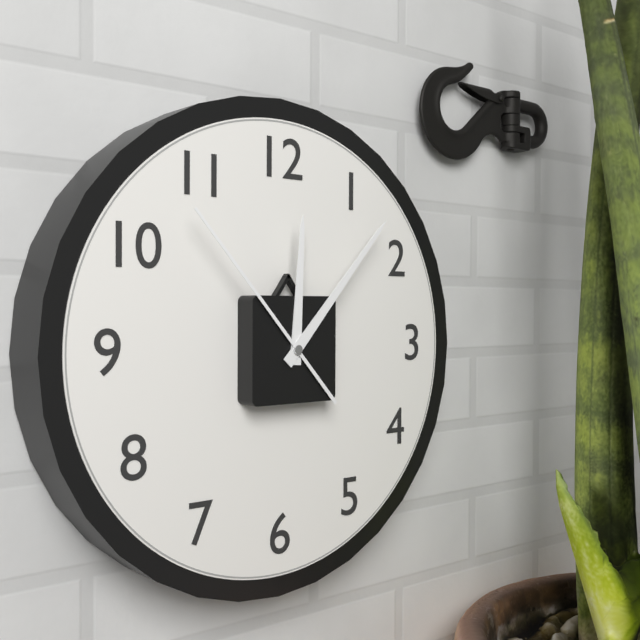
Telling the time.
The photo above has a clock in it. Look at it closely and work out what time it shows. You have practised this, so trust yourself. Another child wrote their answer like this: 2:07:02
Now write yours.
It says 12:07:53
